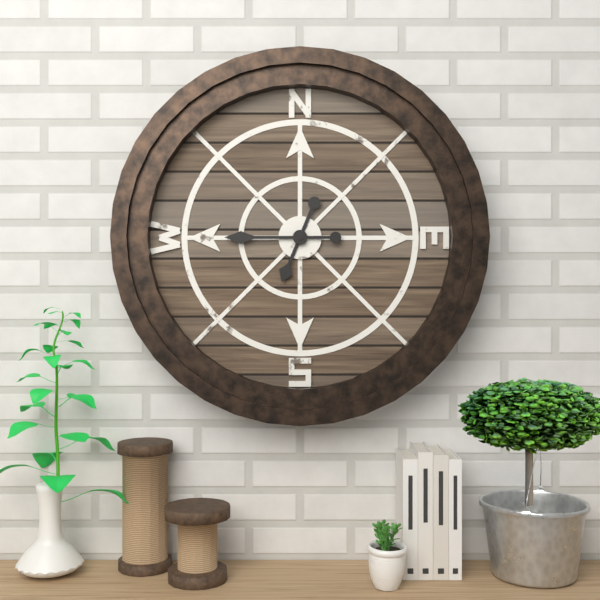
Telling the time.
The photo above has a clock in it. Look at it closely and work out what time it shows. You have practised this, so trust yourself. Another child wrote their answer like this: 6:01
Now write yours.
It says 6:45
